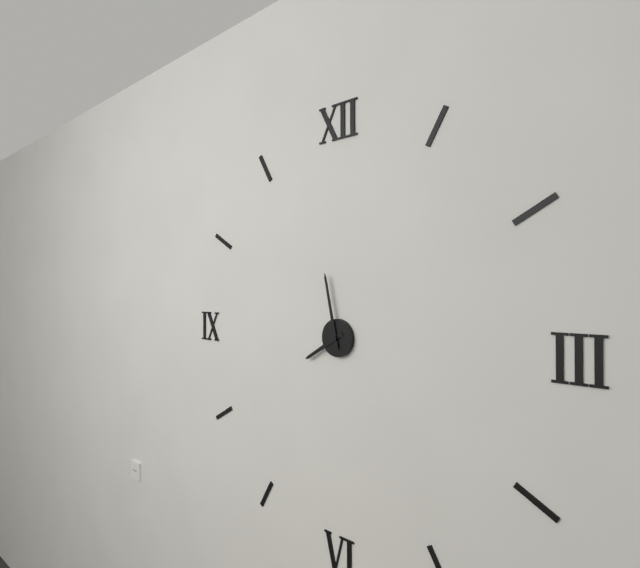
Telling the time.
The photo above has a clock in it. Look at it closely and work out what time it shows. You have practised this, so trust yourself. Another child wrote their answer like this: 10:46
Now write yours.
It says 7:58
